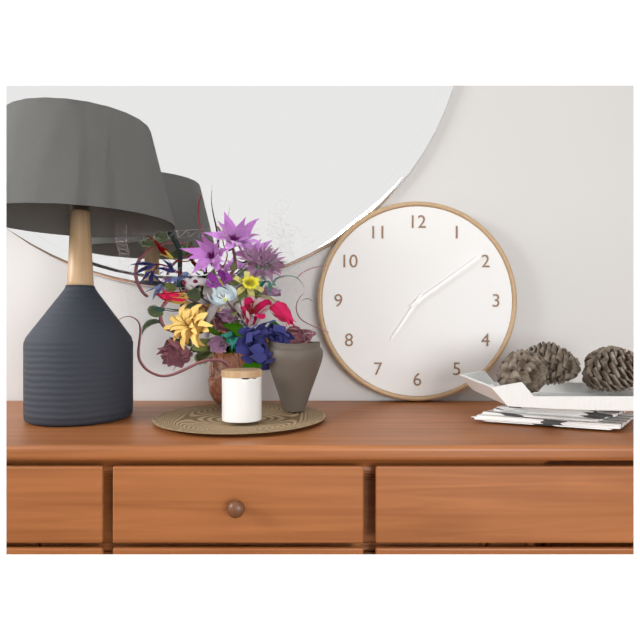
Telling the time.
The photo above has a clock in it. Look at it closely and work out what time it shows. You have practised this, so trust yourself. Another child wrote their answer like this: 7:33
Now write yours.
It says 7:09
